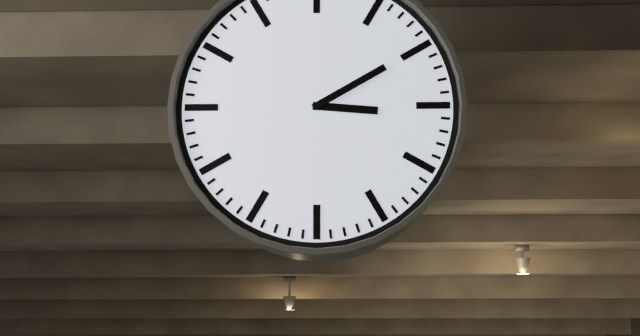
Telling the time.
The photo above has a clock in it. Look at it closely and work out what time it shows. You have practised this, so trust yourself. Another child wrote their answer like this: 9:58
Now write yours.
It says 3:10
